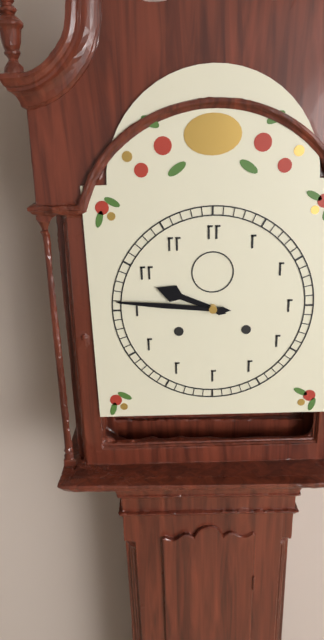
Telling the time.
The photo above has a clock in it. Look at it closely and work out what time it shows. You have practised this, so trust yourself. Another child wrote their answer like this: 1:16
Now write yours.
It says 9:46
